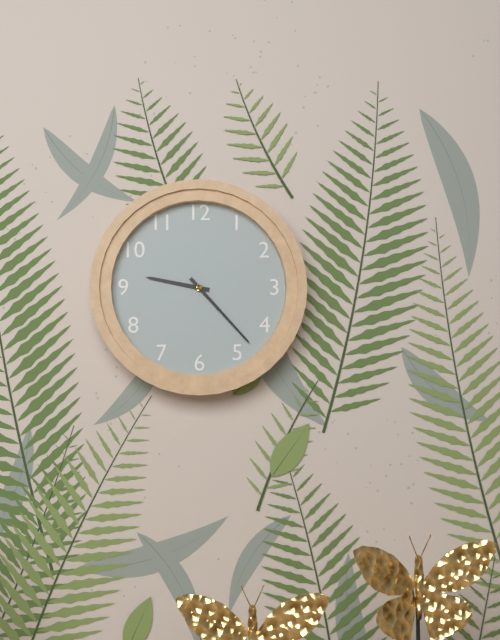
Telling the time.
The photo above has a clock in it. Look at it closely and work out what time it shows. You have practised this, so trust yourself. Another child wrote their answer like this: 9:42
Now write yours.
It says 9:23
